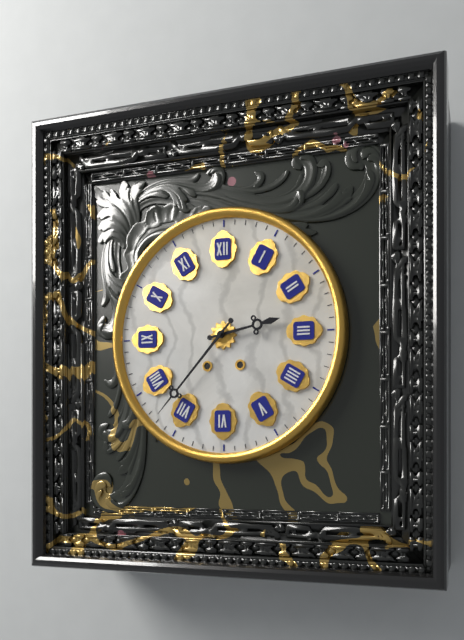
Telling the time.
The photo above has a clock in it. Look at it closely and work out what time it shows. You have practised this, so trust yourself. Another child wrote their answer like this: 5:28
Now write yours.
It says 2:37
